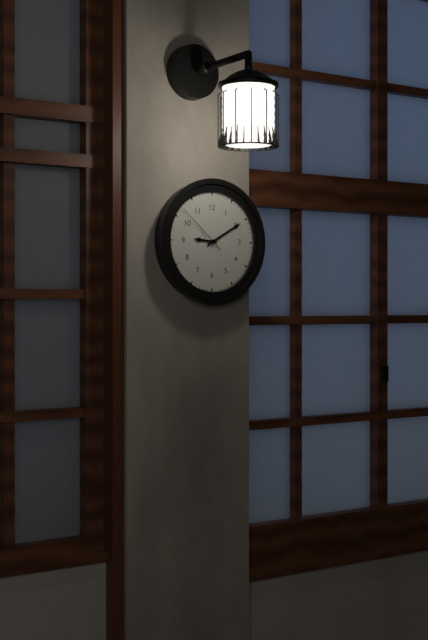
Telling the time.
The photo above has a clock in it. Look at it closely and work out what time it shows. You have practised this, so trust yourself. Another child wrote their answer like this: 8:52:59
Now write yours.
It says 9:10:52
